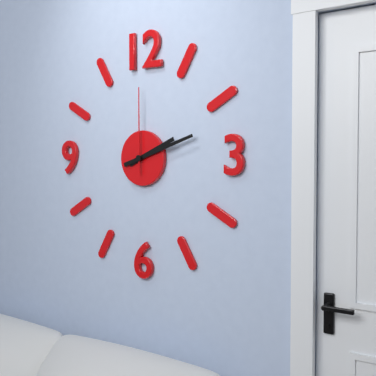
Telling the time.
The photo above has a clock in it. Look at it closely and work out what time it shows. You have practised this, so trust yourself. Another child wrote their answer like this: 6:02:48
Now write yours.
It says 2:12:00
